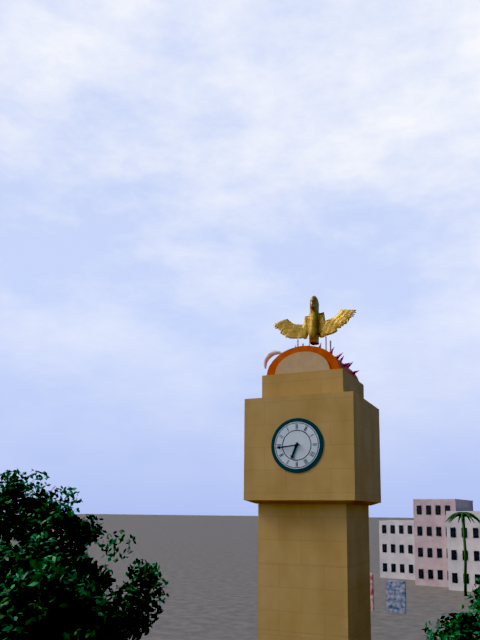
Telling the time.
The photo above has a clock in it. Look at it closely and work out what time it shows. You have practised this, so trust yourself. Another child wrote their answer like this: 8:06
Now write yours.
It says 6:44
